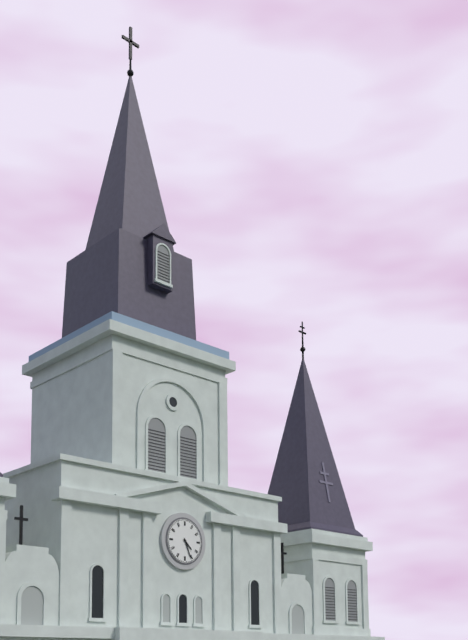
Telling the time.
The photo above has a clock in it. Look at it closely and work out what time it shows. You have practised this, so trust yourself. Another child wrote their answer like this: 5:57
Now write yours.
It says 4:26
